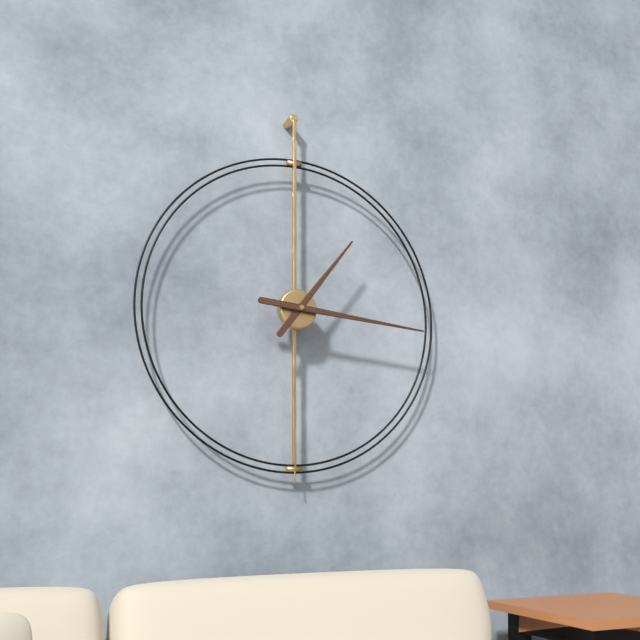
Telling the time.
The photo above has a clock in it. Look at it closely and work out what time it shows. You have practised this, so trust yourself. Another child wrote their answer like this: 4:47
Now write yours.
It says 1:16
